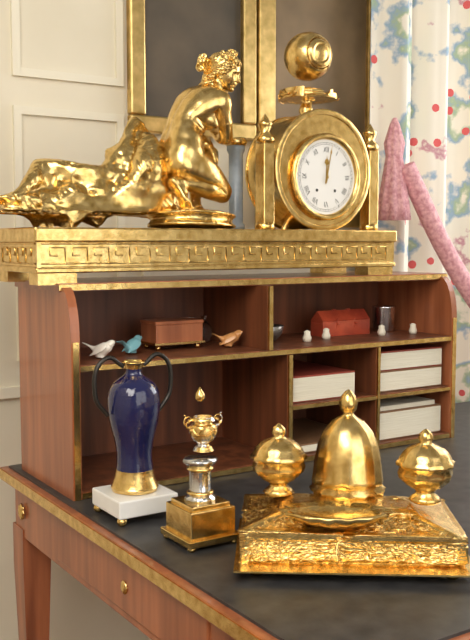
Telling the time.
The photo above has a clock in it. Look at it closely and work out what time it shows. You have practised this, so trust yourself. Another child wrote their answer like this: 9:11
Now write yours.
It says 12:02
